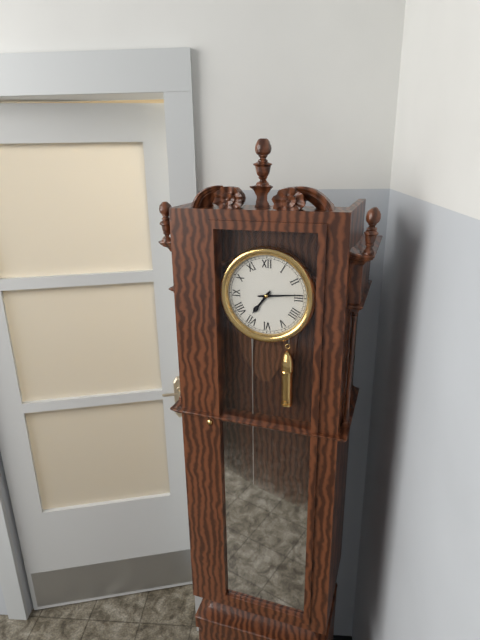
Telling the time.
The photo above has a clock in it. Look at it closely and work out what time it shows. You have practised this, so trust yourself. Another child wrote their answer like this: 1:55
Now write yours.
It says 7:14
